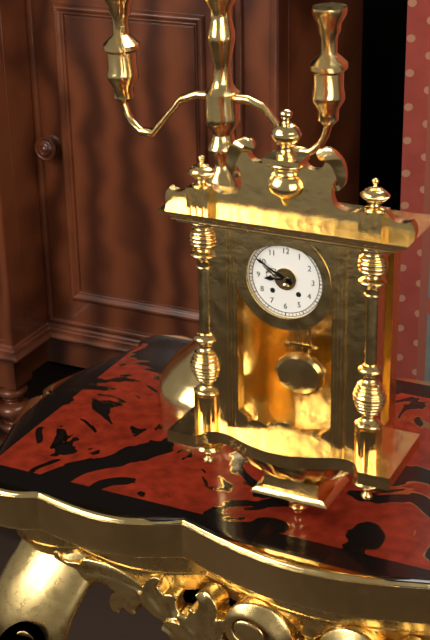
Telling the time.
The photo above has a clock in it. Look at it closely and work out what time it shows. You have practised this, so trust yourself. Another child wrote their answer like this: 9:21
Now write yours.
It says 8:50
